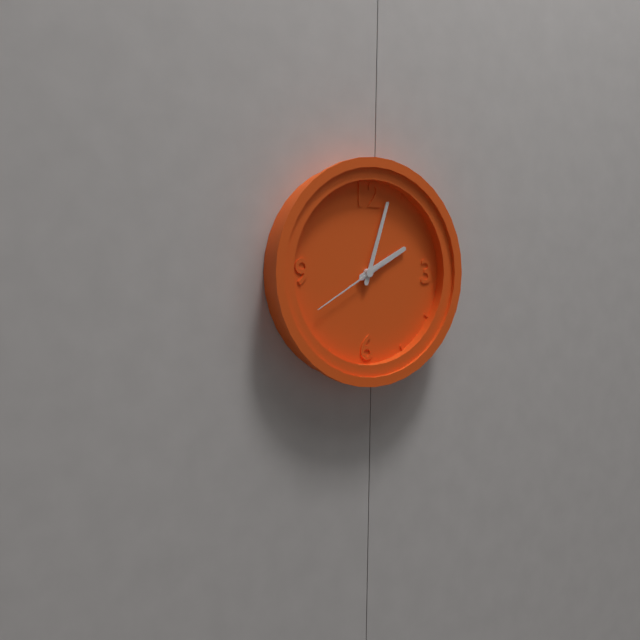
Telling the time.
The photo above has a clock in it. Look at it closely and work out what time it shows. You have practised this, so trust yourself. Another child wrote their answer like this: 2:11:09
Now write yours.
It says 2:03:40
